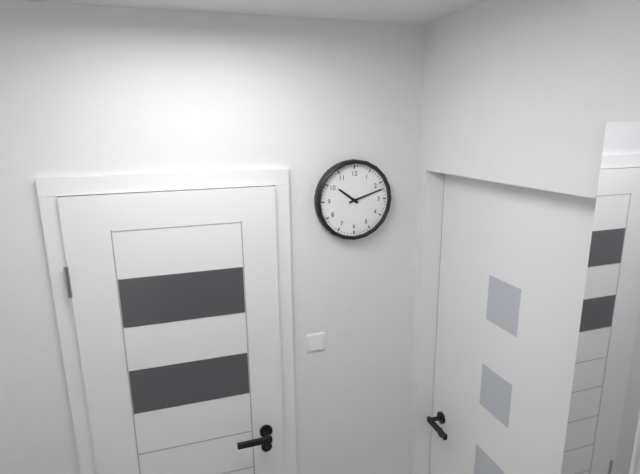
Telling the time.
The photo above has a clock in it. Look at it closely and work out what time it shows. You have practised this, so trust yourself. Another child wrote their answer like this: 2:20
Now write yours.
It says 10:12
